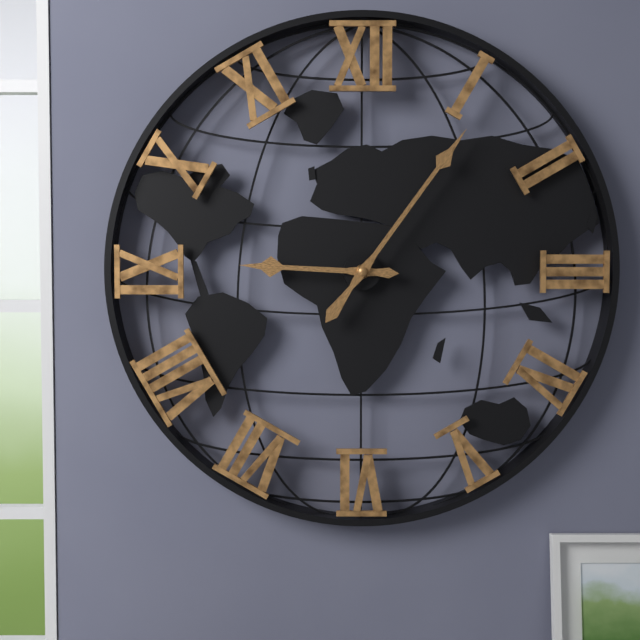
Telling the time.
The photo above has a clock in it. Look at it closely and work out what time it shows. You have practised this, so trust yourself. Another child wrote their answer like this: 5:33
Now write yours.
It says 9:06
